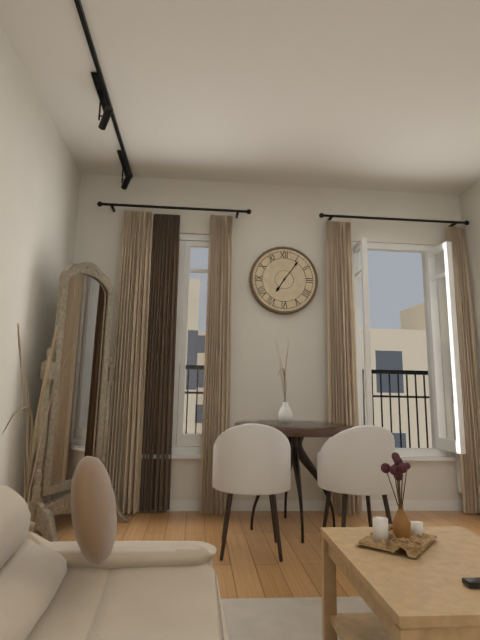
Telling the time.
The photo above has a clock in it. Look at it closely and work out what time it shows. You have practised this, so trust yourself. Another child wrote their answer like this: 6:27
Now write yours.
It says 7:06
